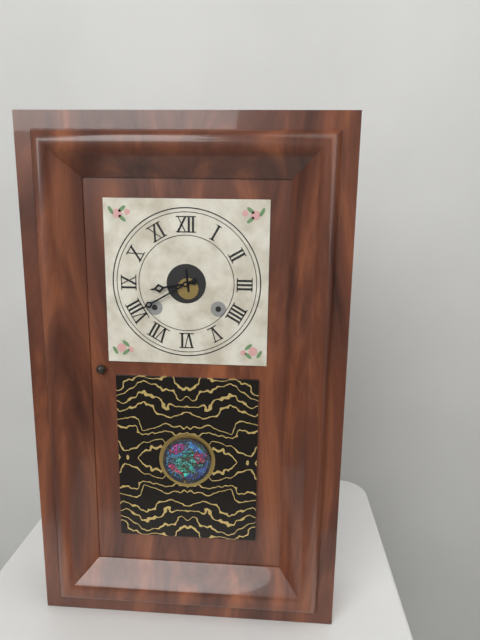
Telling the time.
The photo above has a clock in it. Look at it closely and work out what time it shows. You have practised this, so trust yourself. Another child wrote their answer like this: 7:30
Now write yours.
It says 8:40
